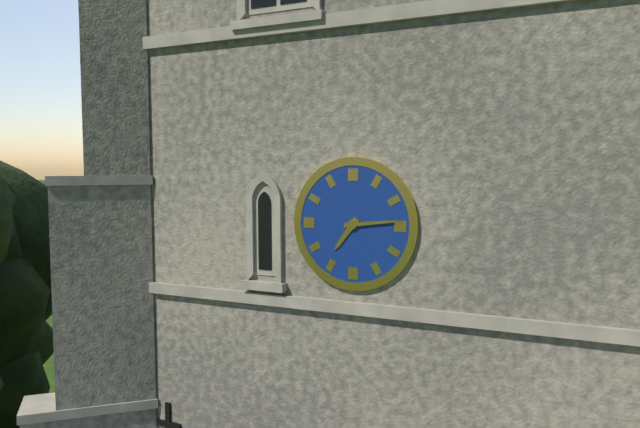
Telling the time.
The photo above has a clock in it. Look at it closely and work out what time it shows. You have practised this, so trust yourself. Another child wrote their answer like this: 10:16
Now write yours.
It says 7:14
